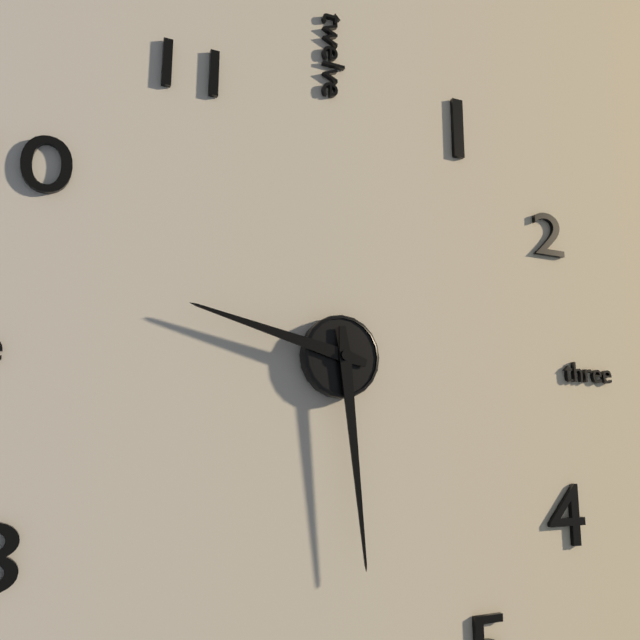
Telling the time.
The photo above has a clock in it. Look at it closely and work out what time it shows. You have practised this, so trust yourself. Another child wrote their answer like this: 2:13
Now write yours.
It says 9:29
